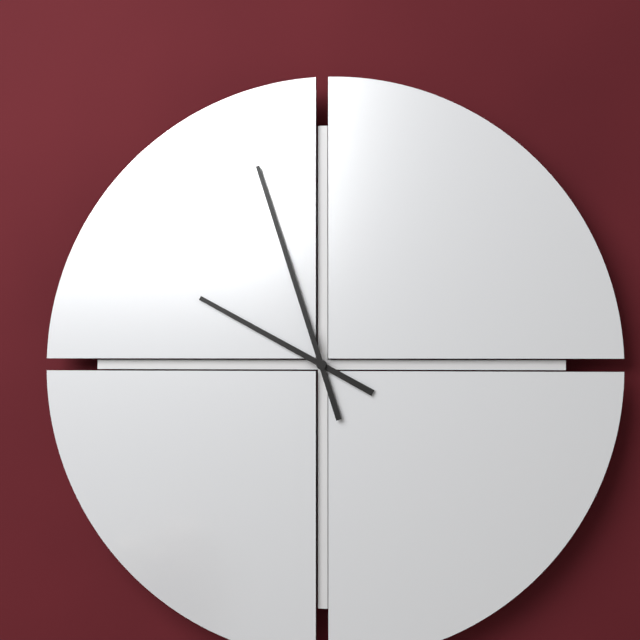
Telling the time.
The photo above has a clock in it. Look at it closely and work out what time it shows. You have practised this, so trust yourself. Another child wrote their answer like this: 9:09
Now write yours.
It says 9:57
